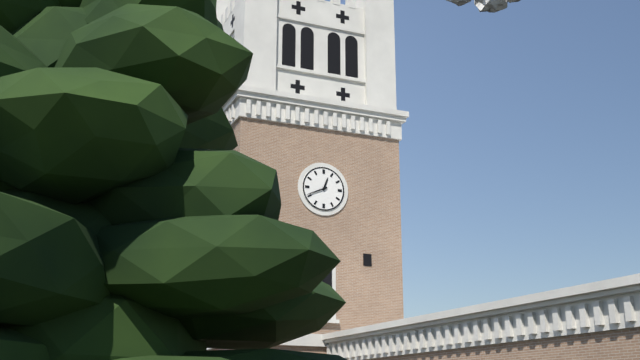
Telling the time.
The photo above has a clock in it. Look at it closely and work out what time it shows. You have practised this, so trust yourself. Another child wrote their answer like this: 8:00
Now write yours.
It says 12:41
